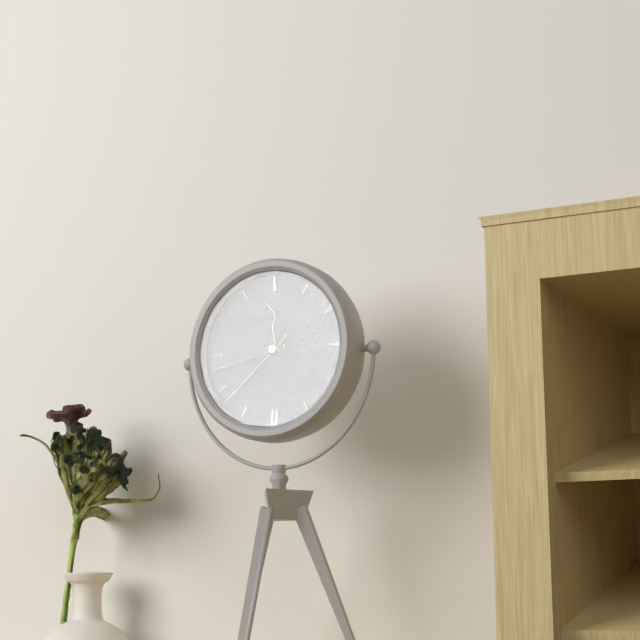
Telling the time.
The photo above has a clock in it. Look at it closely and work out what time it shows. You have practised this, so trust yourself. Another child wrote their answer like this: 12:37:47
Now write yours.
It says 11:43:38
